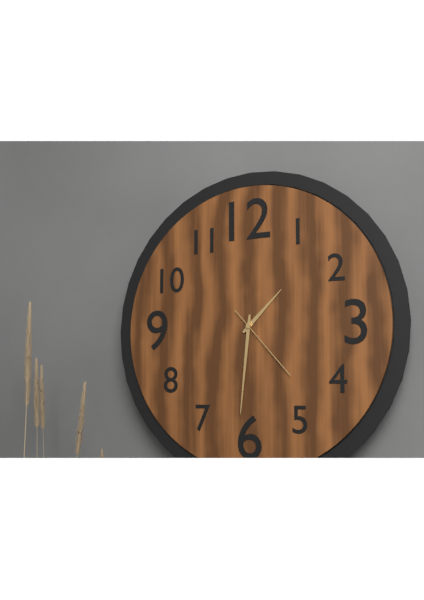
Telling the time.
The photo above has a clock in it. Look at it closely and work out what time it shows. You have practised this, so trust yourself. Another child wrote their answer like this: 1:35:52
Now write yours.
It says 1:31:23
